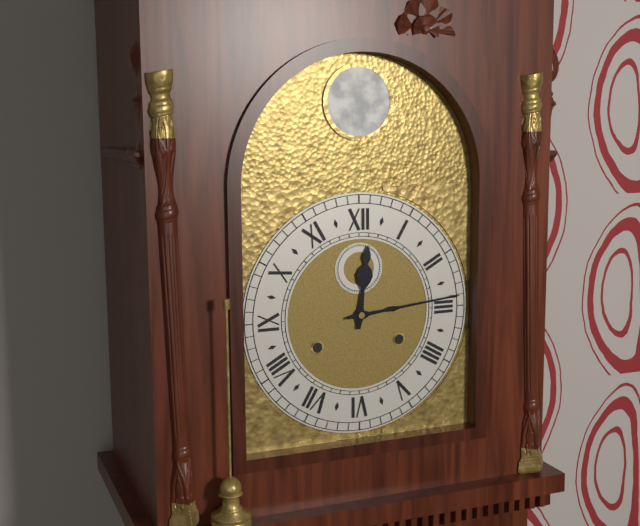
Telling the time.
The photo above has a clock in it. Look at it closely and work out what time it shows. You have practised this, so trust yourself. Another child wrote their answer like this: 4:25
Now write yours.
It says 12:14
